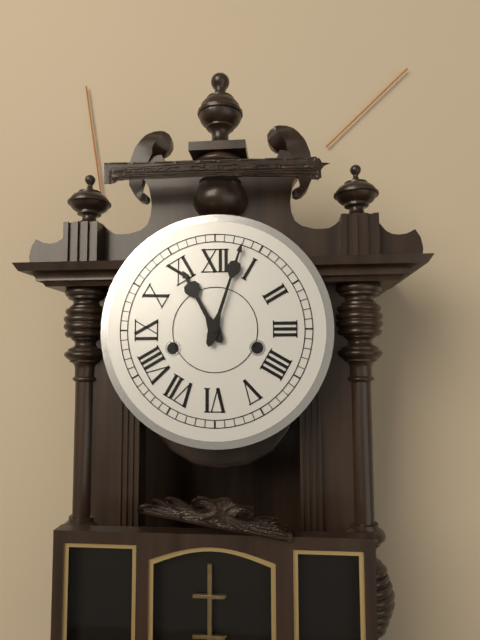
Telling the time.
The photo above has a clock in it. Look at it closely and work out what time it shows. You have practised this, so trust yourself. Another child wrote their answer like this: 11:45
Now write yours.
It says 11:03
